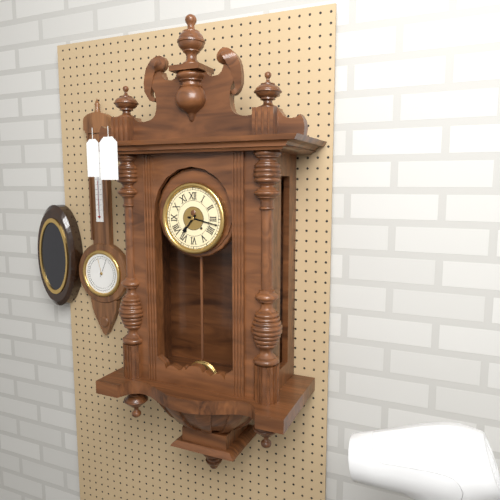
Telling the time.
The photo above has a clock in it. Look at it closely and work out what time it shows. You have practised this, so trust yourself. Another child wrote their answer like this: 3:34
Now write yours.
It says 7:17
